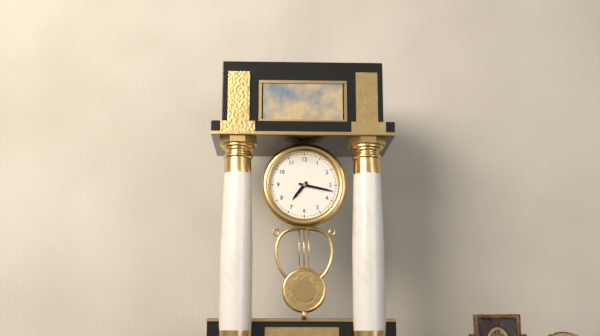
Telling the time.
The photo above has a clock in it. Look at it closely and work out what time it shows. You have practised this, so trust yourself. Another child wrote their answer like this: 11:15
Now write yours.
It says 7:17
